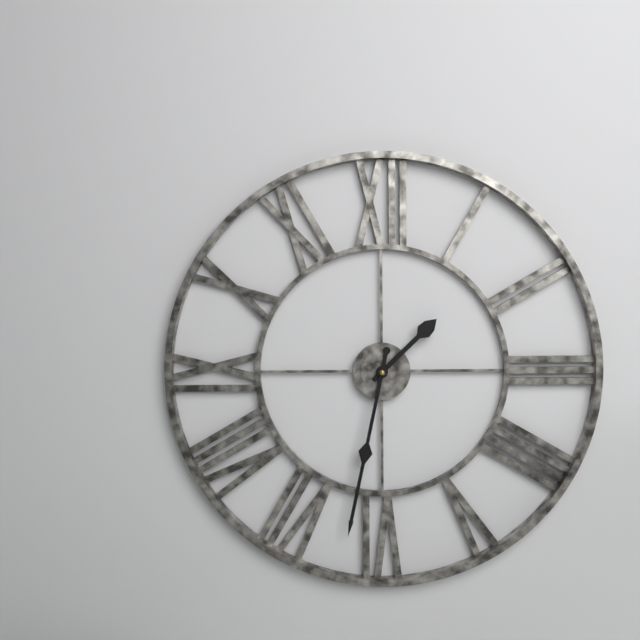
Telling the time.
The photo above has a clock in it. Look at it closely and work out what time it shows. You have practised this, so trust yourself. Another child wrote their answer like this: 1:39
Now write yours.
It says 1:32
